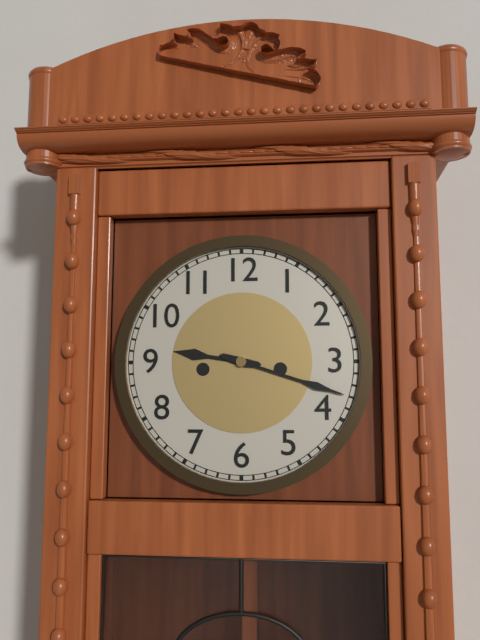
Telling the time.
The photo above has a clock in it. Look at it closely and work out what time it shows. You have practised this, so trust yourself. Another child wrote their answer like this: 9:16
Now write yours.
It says 9:18
